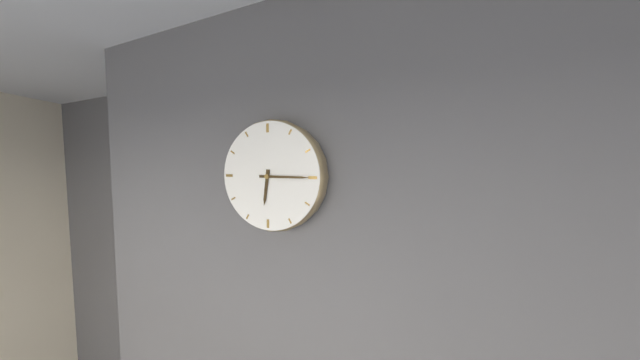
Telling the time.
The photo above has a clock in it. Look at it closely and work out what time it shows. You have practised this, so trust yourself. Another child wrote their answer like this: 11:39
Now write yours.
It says 6:15
